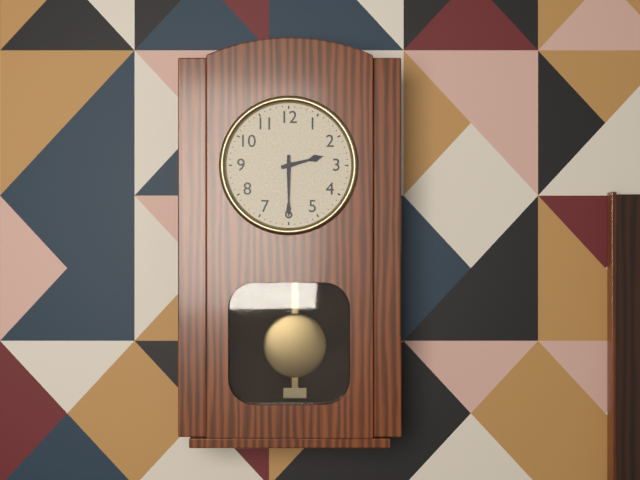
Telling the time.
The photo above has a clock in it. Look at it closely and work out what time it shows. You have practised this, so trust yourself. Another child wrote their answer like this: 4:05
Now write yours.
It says 2:30
